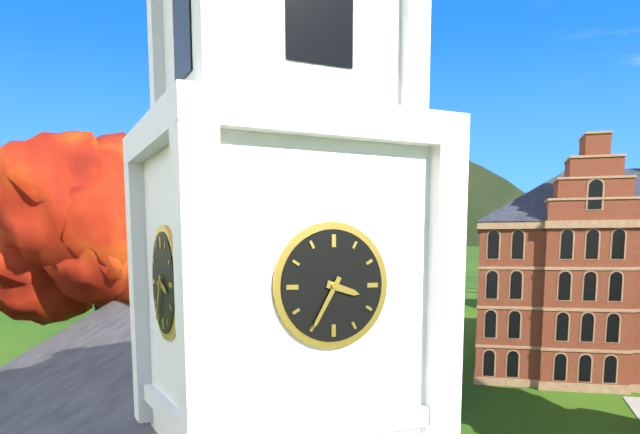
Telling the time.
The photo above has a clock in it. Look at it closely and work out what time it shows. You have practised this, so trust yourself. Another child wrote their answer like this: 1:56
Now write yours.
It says 3:35
